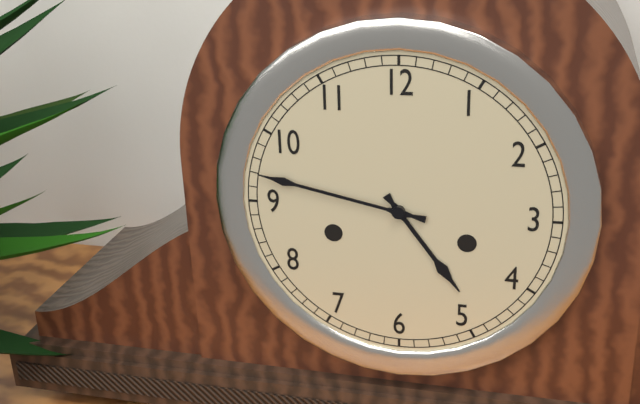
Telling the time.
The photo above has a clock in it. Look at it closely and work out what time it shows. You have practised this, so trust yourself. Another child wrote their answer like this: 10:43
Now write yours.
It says 4:47
